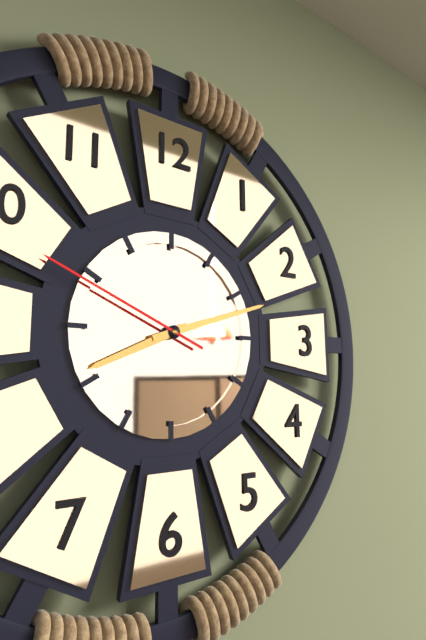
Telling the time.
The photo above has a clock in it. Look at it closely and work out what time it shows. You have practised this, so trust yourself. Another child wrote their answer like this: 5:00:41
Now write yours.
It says 8:12:49
